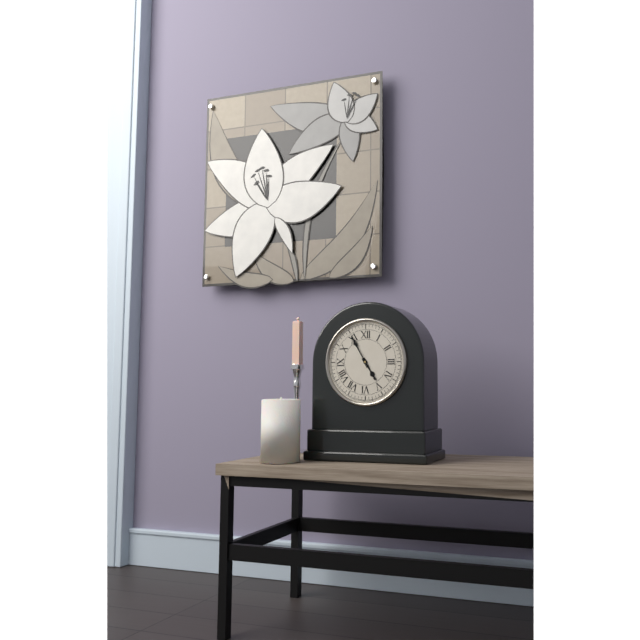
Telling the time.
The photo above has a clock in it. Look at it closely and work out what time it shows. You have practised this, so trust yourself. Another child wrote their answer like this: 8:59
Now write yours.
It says 4:55
